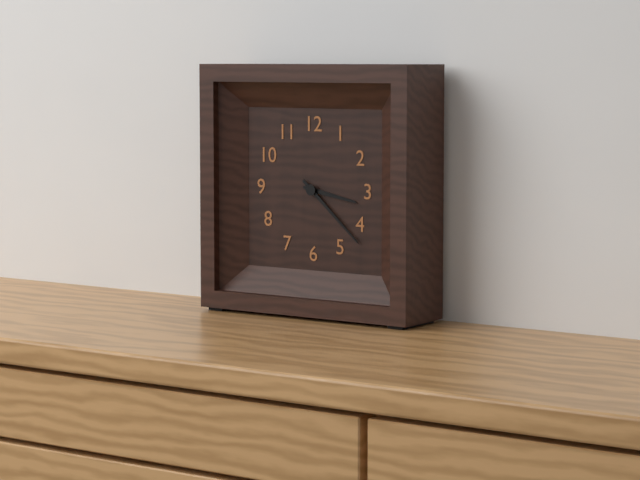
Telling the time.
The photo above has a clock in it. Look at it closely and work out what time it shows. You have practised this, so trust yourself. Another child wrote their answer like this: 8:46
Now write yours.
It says 3:22
